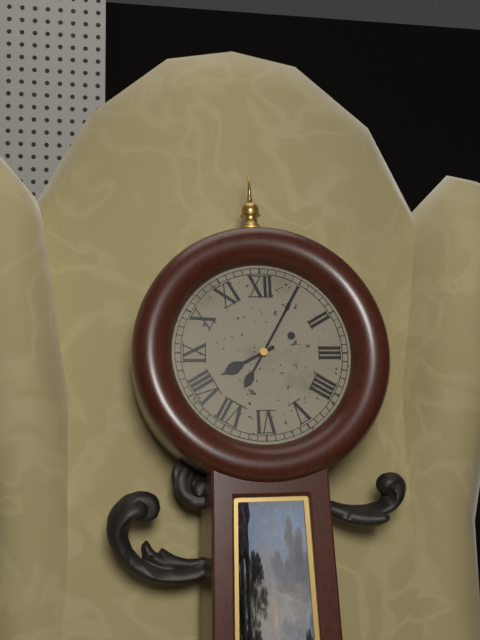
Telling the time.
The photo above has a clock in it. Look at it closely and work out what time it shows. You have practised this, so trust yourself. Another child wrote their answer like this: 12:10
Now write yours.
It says 8:05
